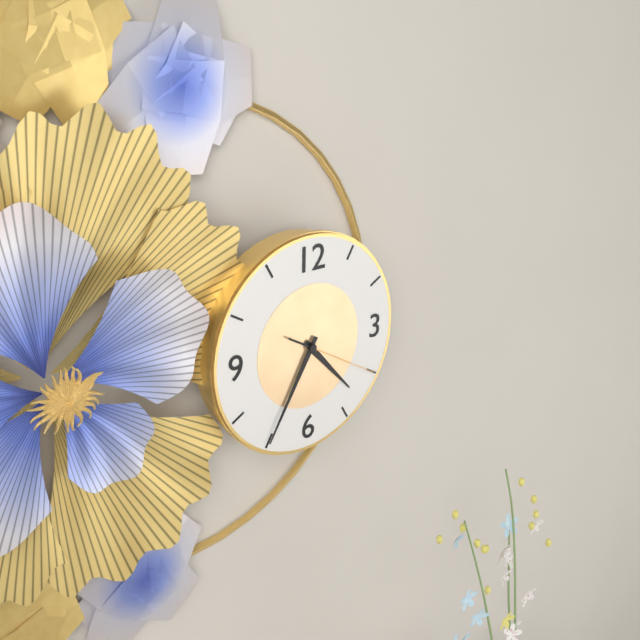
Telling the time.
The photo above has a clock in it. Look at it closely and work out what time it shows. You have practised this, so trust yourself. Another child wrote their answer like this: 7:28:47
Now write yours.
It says 4:35:20
